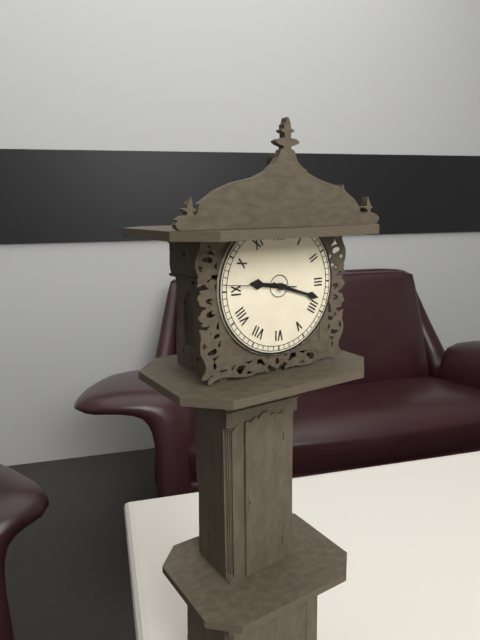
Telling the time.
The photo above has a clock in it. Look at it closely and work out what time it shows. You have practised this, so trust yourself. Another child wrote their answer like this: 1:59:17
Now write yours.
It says 9:18:46
